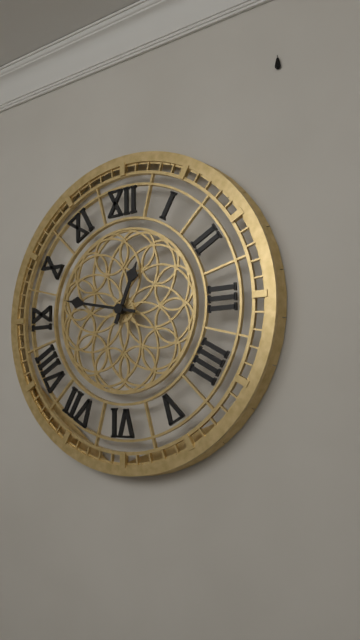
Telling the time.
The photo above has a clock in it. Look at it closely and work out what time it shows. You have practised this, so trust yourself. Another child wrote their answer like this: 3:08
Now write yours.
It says 12:47
